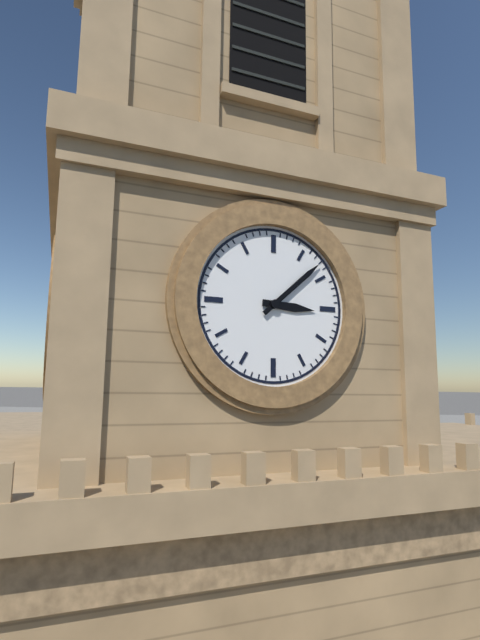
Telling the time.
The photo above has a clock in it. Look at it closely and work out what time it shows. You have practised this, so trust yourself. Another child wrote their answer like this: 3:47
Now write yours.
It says 3:08
